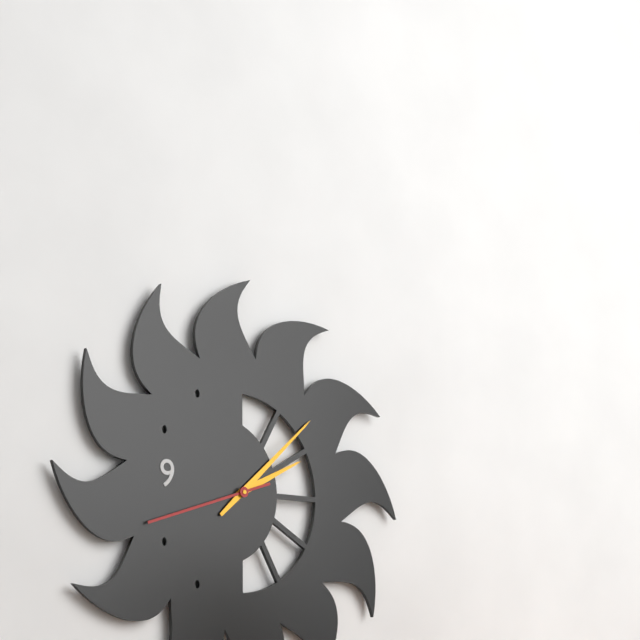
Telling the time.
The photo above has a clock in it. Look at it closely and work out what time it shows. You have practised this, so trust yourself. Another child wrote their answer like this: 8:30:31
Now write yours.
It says 2:08:42
